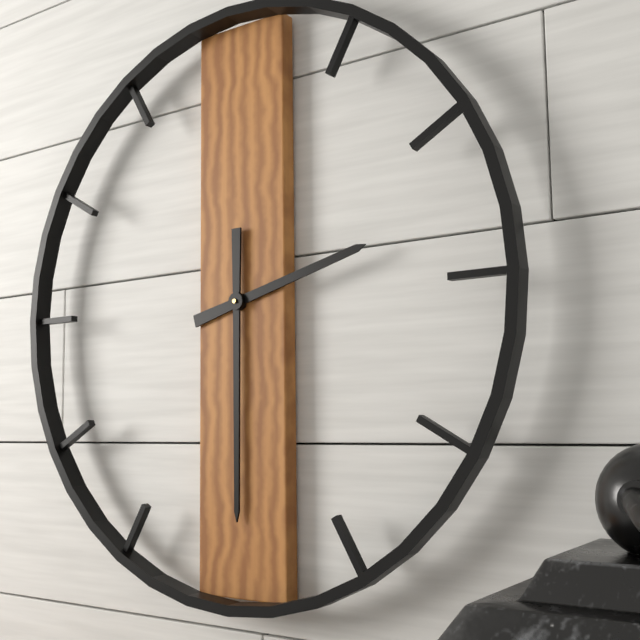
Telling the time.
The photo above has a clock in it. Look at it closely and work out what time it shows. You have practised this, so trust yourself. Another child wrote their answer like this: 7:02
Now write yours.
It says 2:30
